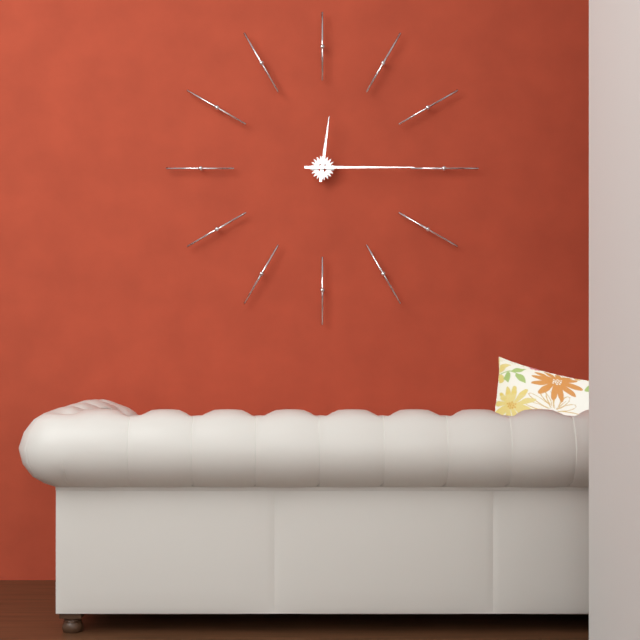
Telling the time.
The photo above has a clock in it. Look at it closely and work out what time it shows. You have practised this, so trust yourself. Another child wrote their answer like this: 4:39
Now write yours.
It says 12:15
